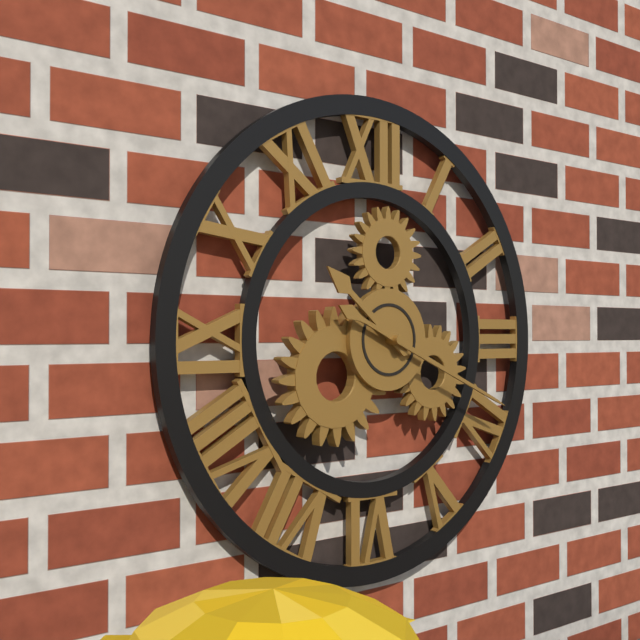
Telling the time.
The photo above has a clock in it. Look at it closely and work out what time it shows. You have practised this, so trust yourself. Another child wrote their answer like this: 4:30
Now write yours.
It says 10:19
